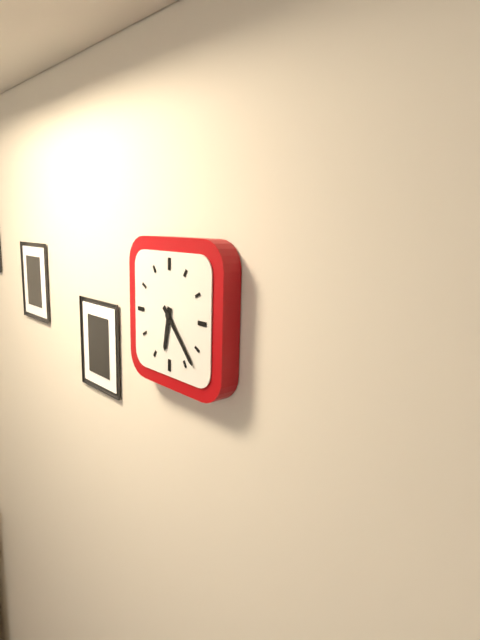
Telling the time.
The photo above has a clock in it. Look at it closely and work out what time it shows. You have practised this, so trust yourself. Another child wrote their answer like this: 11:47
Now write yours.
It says 6:23
